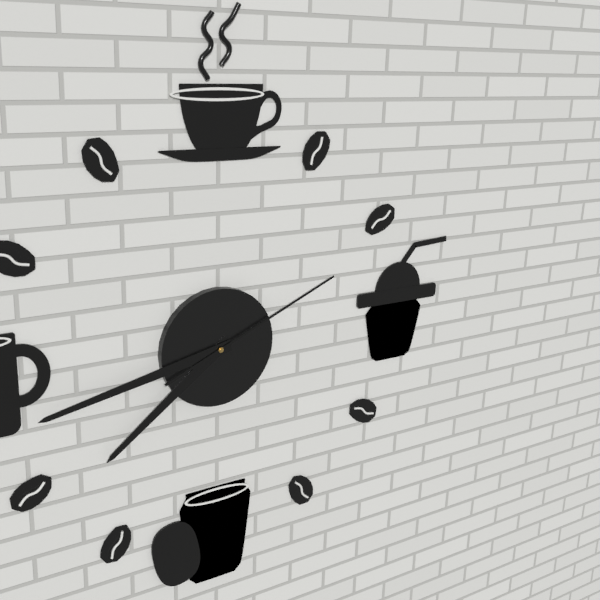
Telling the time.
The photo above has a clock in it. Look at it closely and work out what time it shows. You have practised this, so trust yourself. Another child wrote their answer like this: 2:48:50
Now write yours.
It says 7:43:11
